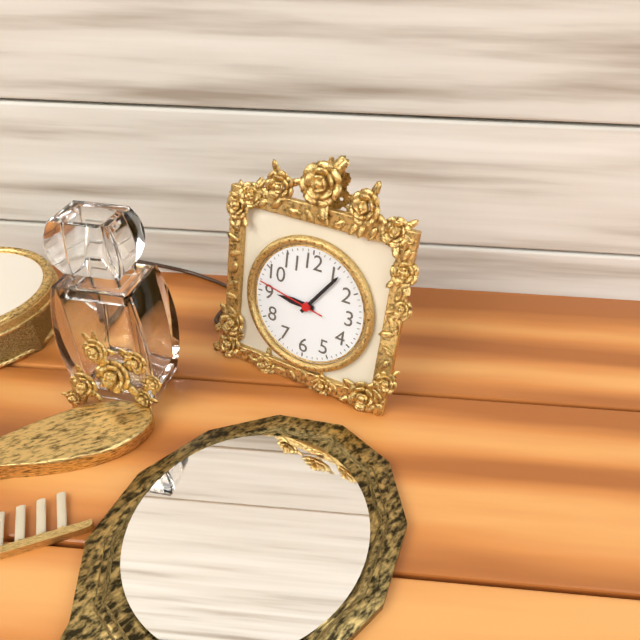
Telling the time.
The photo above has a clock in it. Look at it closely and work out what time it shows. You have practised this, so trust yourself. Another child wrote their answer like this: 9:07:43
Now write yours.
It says 9:06:47
